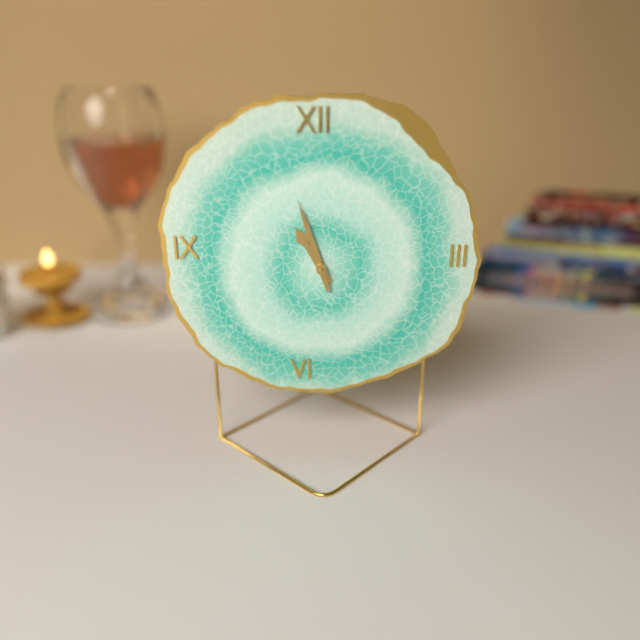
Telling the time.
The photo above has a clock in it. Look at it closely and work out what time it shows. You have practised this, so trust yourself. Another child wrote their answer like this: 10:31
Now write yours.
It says 10:57
